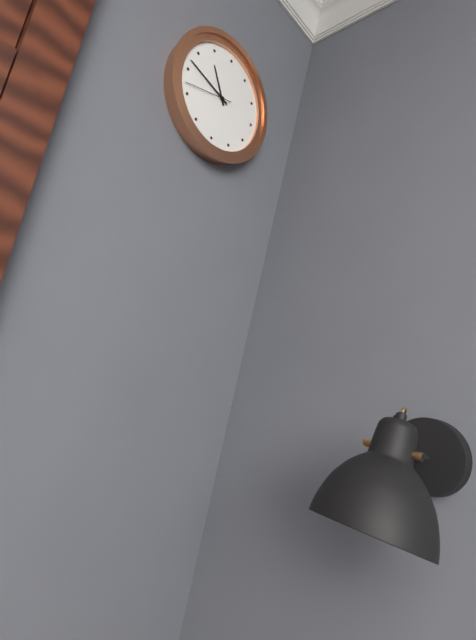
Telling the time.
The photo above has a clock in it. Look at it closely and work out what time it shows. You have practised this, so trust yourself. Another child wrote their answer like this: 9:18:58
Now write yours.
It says 10:47:42
